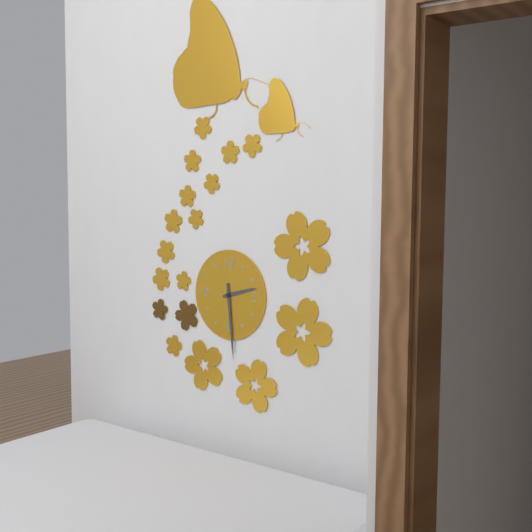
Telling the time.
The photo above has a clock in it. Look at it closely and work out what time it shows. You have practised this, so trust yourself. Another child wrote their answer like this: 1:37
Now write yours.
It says 2:29
